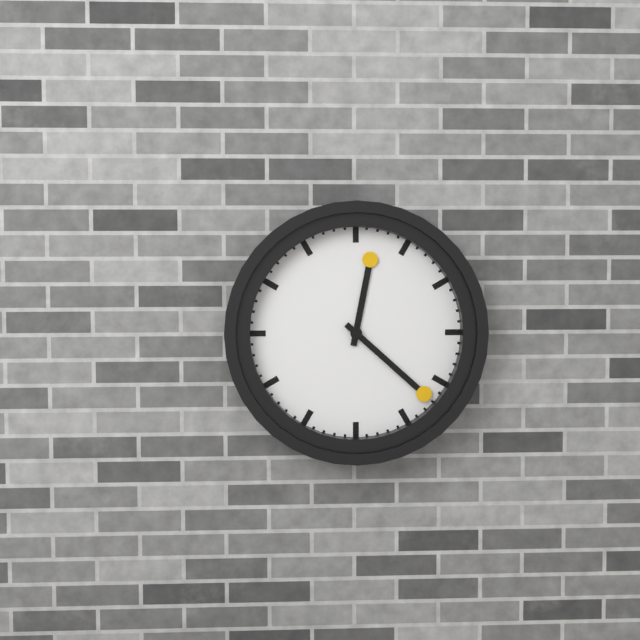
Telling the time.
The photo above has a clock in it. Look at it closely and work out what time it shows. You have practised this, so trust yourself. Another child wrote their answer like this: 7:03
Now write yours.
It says 12:22
